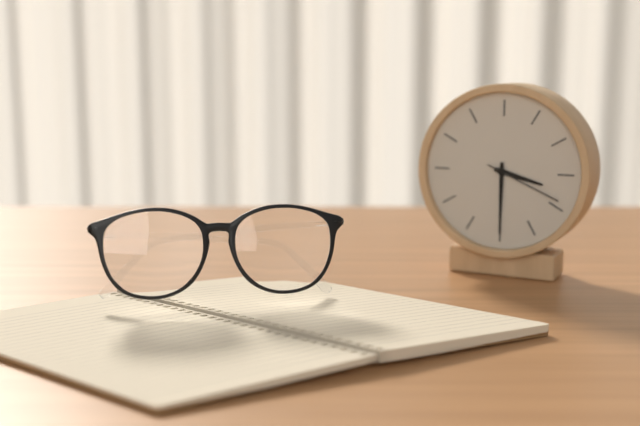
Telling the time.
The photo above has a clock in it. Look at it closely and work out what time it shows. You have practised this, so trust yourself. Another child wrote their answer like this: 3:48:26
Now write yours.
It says 3:30:19
